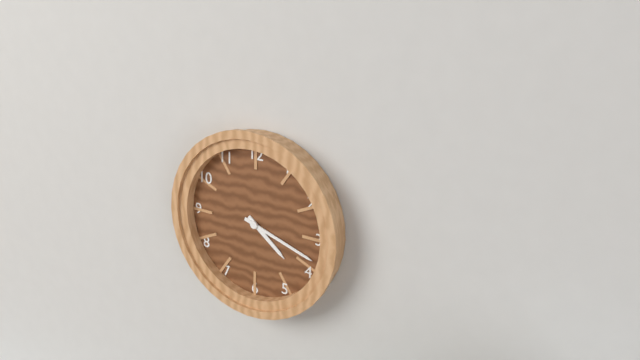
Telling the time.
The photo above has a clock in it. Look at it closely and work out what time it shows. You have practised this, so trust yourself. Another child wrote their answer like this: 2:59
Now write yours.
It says 4:18
